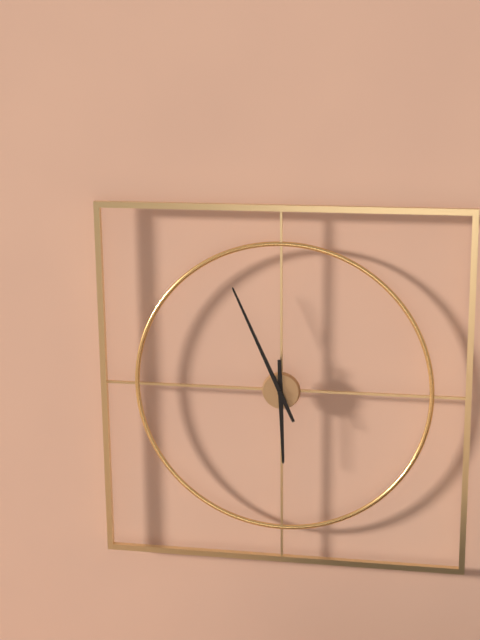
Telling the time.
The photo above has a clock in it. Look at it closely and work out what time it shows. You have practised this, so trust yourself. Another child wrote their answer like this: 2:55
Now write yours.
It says 5:56
